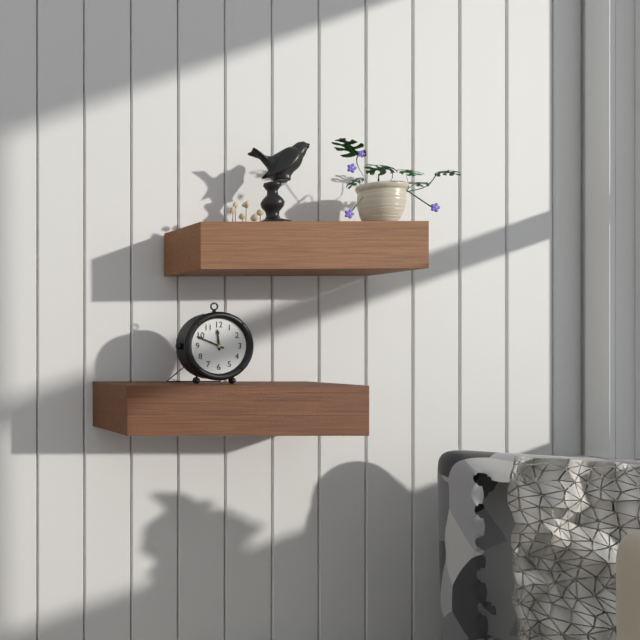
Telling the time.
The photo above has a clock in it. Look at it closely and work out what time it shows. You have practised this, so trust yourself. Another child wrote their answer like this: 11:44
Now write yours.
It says 11:49
